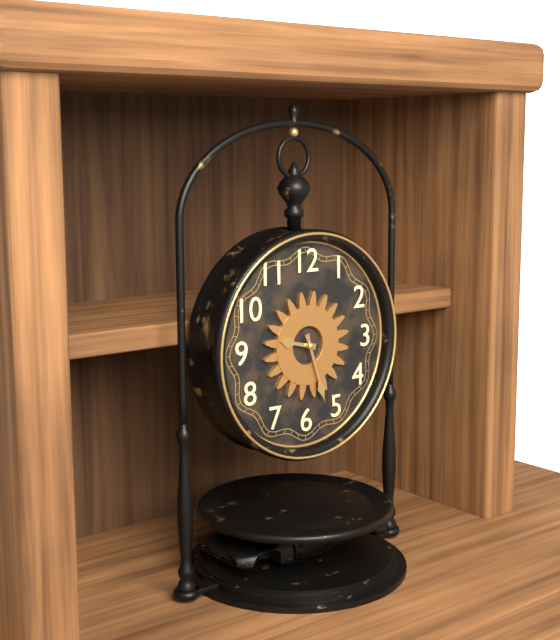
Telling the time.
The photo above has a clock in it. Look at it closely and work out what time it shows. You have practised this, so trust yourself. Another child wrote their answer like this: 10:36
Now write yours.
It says 9:27
